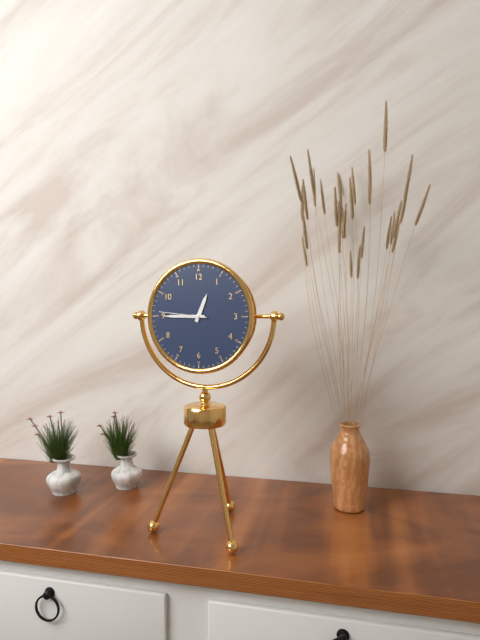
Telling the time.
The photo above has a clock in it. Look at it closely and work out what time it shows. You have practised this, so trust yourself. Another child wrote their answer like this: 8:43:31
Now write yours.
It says 12:45:46
